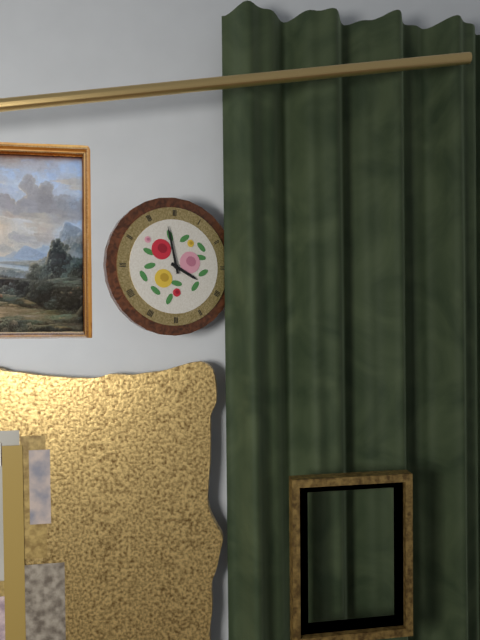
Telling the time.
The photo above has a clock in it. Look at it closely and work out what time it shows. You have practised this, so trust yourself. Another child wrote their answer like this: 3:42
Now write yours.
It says 3:58
